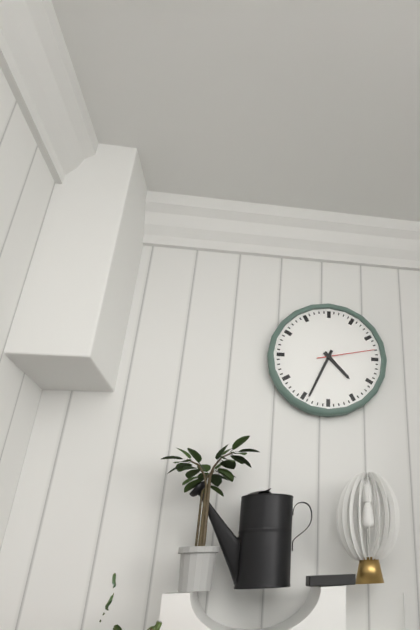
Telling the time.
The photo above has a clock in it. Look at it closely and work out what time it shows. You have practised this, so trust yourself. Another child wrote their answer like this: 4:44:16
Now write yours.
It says 4:34:13
